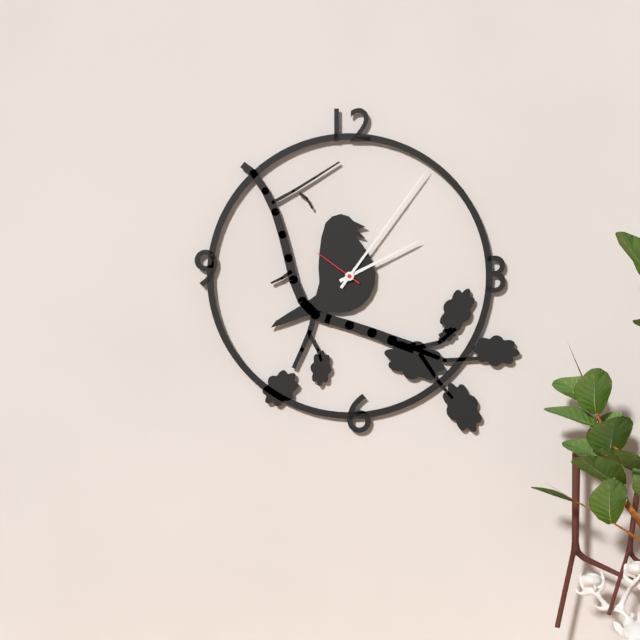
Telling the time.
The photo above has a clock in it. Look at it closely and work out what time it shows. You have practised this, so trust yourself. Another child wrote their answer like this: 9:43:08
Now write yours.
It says 2:06:51
